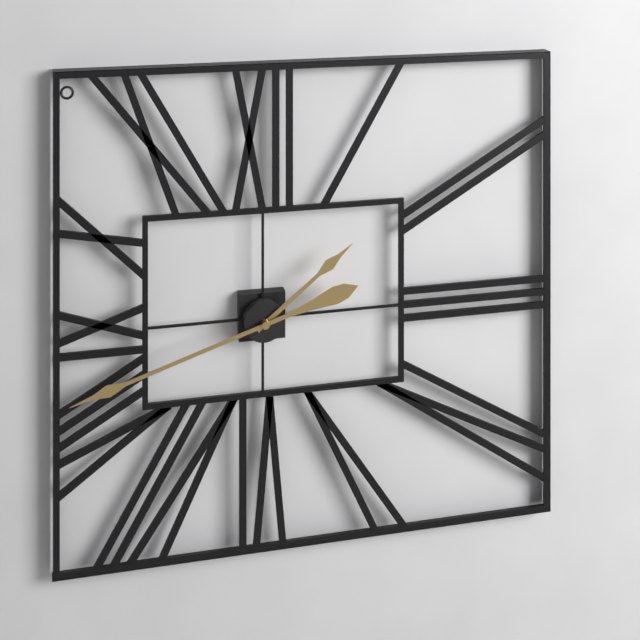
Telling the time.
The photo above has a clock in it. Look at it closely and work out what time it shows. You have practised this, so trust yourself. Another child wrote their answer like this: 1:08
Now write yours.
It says 1:42
